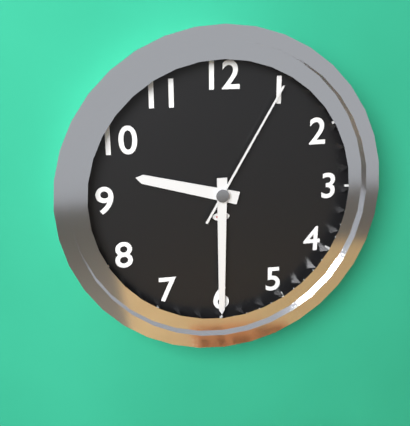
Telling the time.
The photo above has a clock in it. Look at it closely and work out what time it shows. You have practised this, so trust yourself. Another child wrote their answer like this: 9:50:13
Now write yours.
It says 9:30:05
